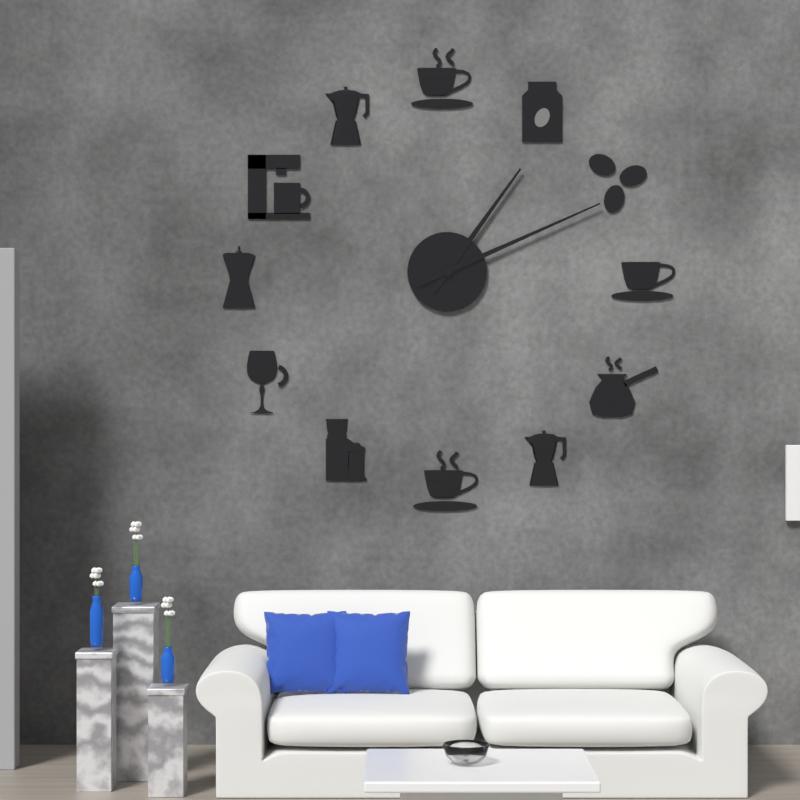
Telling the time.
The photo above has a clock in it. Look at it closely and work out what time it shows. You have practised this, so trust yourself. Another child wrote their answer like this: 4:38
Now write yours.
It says 1:11
